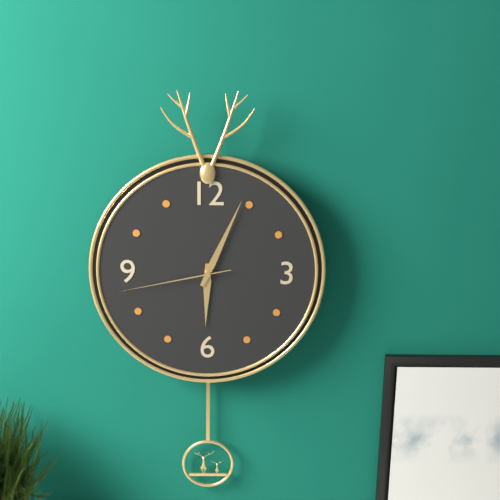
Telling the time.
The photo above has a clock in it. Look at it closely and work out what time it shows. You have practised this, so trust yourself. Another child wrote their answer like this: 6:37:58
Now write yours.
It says 6:04:43
